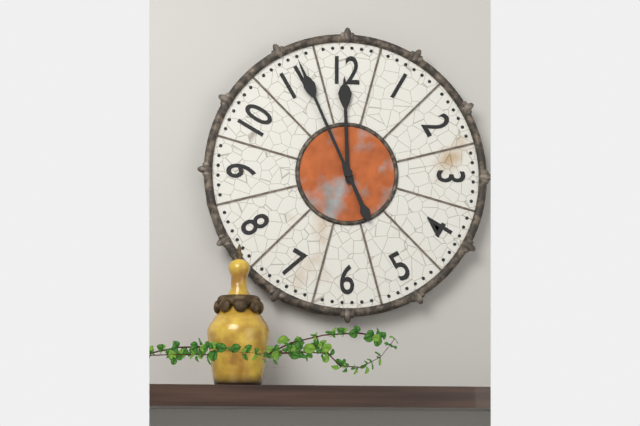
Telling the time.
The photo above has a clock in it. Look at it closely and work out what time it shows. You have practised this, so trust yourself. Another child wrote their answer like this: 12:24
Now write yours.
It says 11:56
